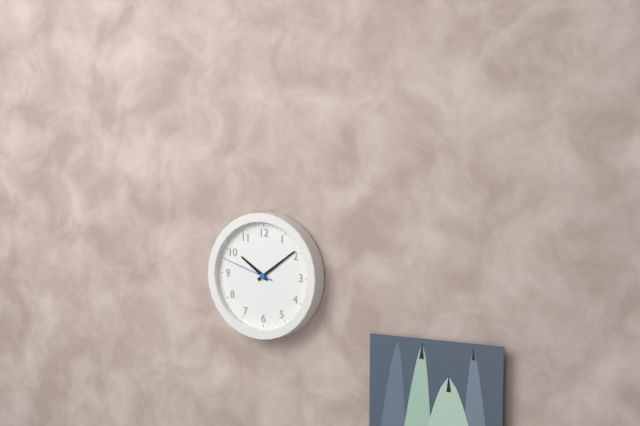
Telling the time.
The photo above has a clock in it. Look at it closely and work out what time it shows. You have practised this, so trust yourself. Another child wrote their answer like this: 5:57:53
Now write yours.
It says 10:09:48
